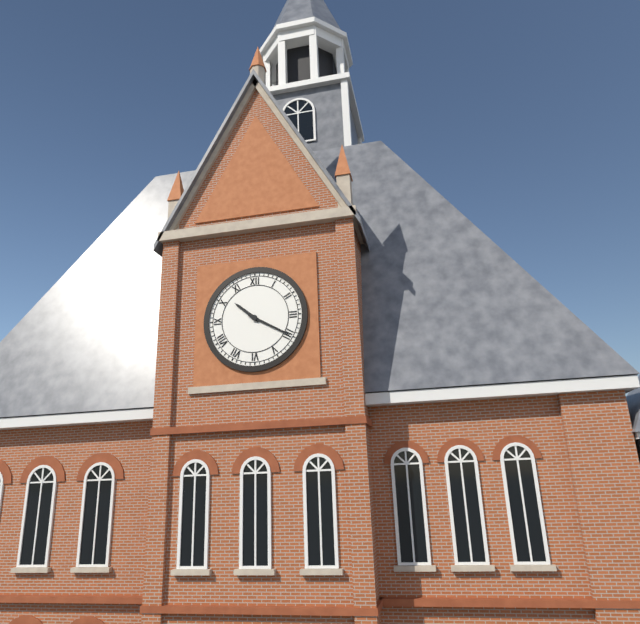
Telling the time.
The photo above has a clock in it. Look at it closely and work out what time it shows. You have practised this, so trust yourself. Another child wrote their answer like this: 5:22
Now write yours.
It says 10:20
